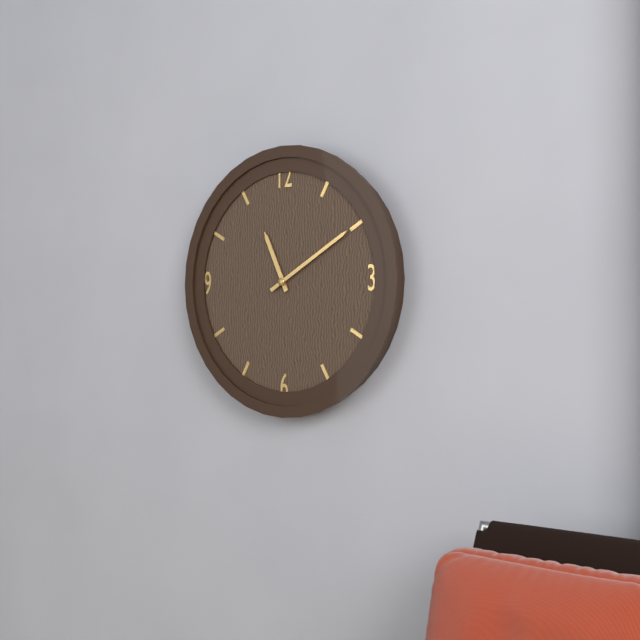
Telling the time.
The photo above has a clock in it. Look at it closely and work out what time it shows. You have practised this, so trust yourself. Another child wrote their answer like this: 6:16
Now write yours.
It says 11:10
